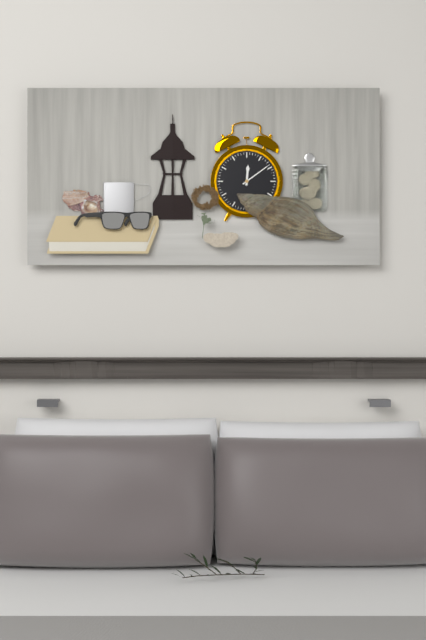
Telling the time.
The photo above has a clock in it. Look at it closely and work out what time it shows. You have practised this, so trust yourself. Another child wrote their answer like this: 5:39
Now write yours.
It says 12:09
